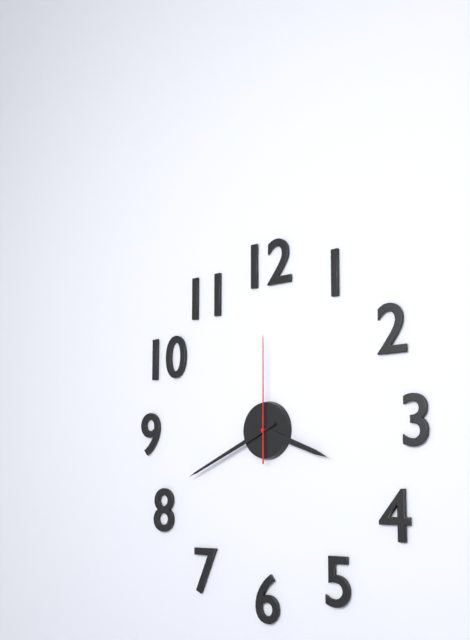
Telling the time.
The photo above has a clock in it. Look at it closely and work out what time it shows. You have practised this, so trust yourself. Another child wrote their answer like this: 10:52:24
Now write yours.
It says 3:41:00
